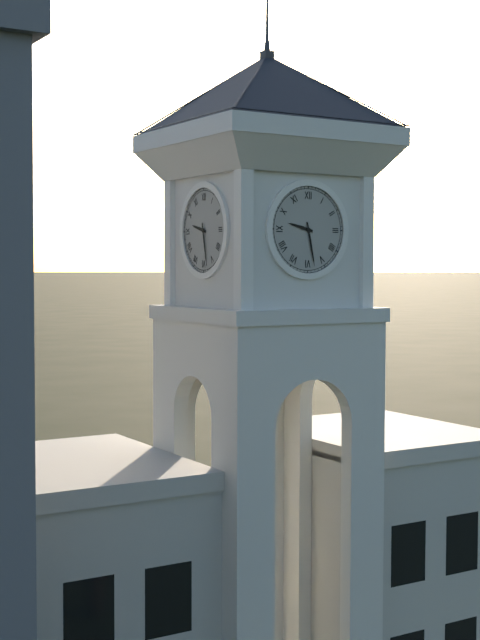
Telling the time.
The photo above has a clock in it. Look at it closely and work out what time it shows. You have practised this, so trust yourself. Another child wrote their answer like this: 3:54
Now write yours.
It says 9:28
